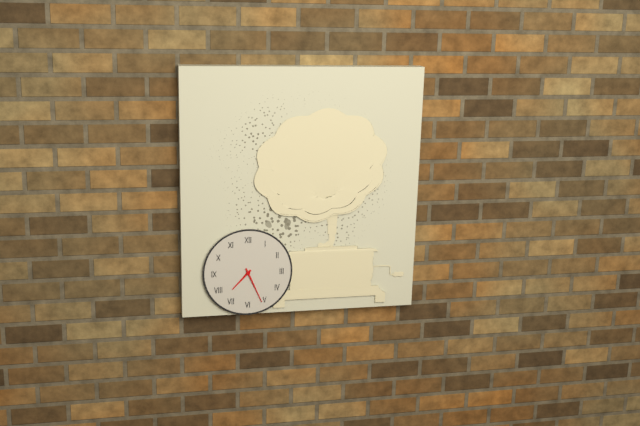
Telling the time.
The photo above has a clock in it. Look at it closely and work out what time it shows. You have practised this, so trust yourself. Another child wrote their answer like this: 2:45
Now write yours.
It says 7:26
